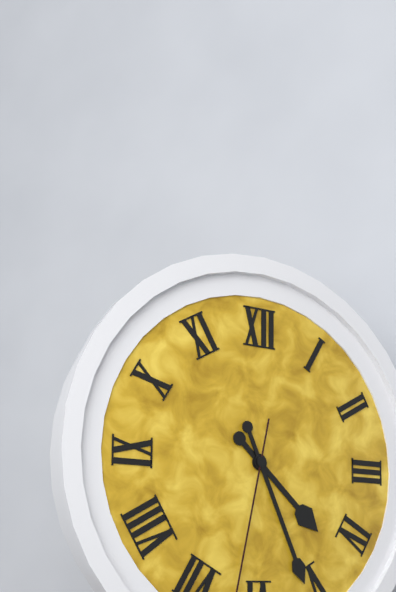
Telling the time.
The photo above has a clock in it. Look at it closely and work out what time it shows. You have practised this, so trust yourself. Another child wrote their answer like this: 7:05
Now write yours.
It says 4:26
